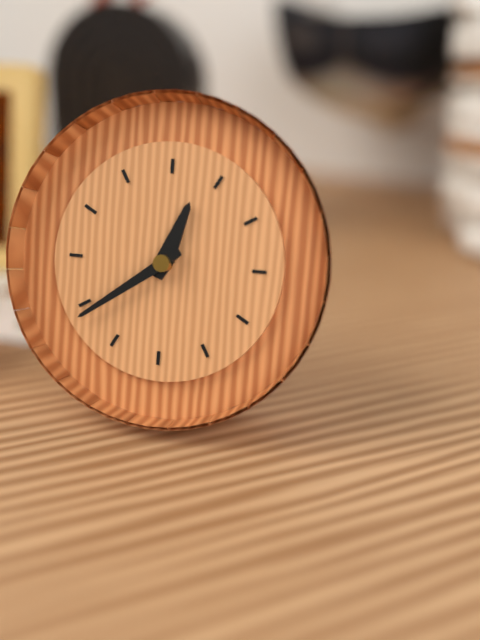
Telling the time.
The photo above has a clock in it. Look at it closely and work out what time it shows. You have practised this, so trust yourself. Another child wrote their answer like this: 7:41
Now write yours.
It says 12:39
